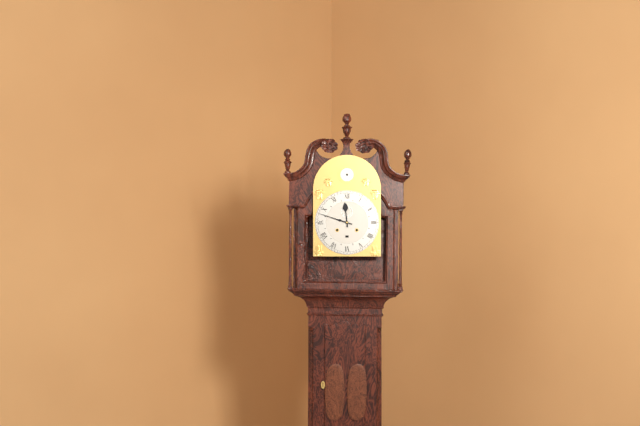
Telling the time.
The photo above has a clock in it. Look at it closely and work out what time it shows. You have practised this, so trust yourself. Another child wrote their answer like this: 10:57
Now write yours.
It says 11:48
